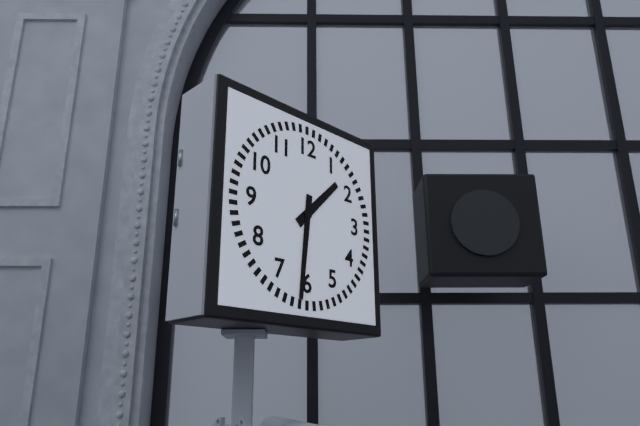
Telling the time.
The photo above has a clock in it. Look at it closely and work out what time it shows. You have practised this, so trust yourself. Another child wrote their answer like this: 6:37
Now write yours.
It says 1:31
